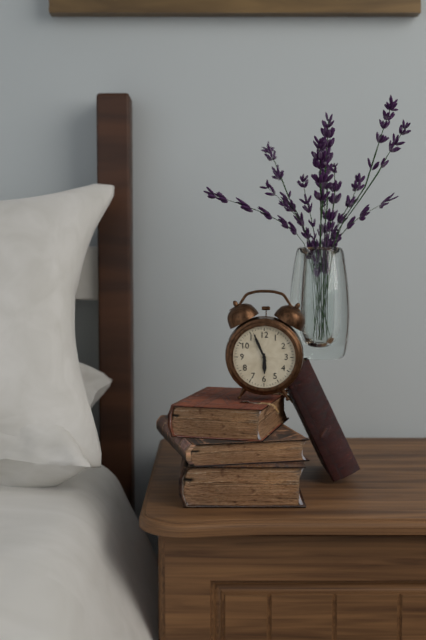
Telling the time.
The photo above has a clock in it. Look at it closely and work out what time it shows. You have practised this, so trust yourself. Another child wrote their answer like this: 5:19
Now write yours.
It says 5:56
